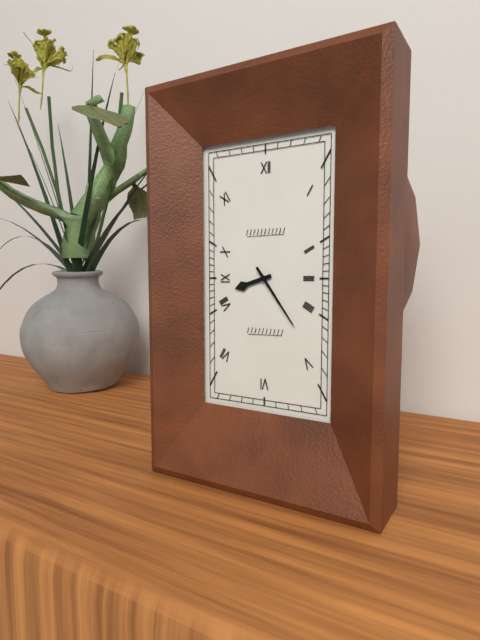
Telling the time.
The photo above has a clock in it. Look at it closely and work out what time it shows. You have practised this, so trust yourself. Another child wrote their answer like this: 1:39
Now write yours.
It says 8:24
